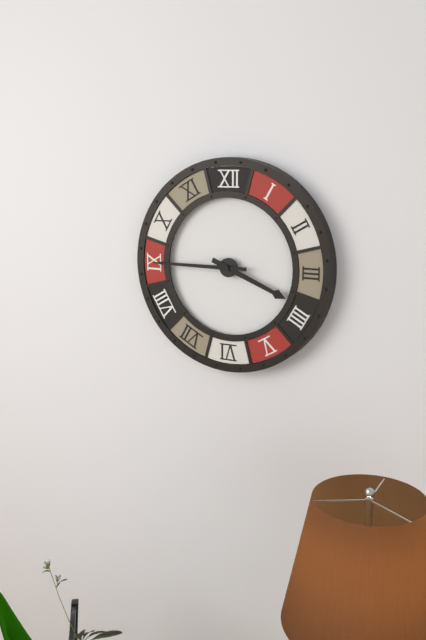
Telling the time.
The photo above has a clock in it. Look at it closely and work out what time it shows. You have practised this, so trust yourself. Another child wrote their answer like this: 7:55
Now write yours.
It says 3:45
